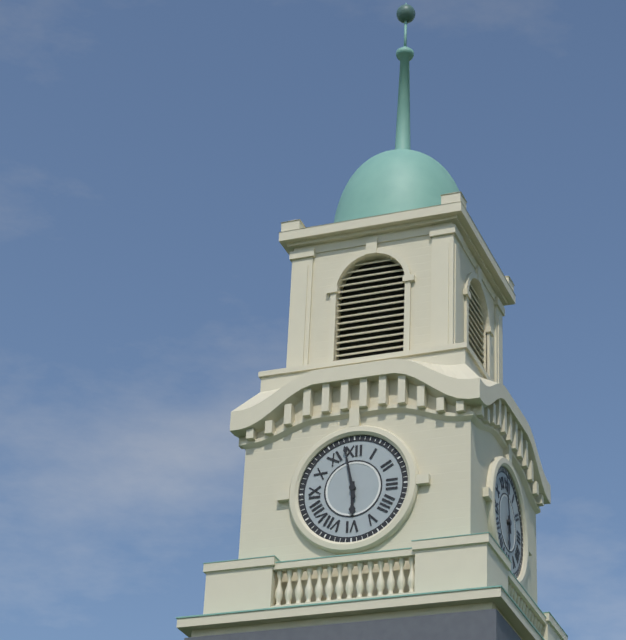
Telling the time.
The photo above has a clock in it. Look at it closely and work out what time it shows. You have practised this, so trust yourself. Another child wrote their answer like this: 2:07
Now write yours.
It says 5:58
